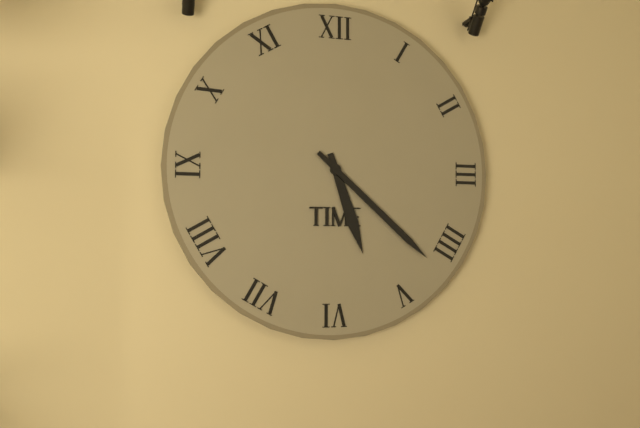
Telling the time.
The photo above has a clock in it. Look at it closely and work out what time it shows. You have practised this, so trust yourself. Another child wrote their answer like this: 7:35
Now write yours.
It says 5:22
